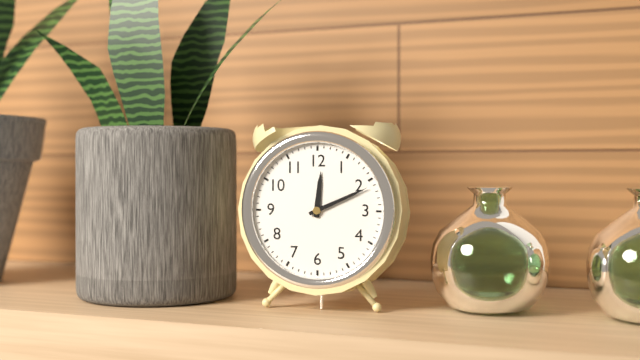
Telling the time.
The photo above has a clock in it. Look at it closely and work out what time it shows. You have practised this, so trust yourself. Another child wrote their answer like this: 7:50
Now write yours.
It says 12:11
